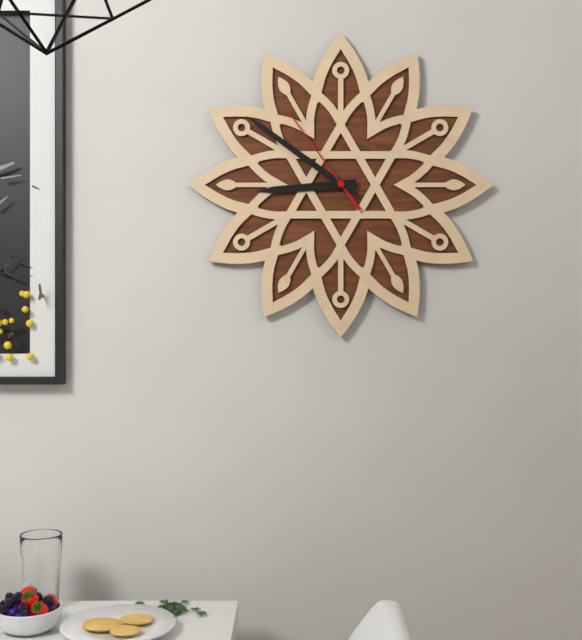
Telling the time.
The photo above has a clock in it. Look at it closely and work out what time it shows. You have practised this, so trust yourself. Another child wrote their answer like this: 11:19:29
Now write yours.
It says 8:51:54
